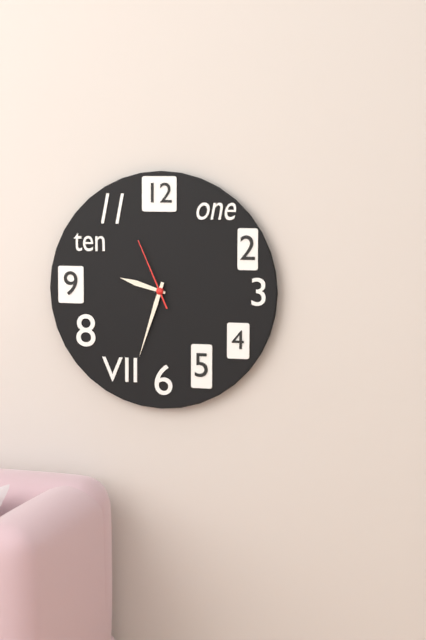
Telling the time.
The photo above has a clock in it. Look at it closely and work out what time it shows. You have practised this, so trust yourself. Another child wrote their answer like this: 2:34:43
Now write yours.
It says 9:33:56
